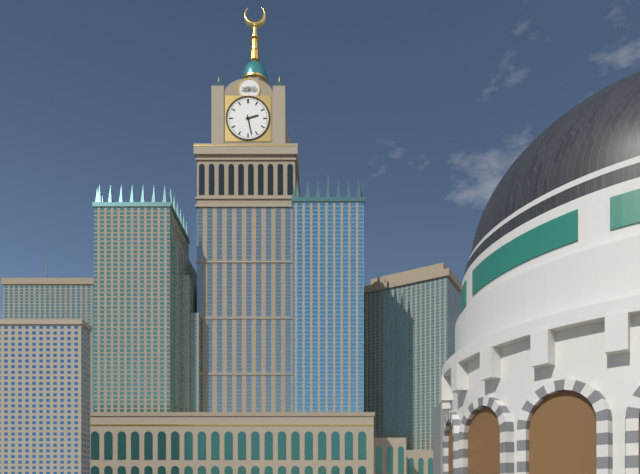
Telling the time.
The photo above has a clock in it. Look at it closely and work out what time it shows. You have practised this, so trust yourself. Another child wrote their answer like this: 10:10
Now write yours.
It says 2:28
